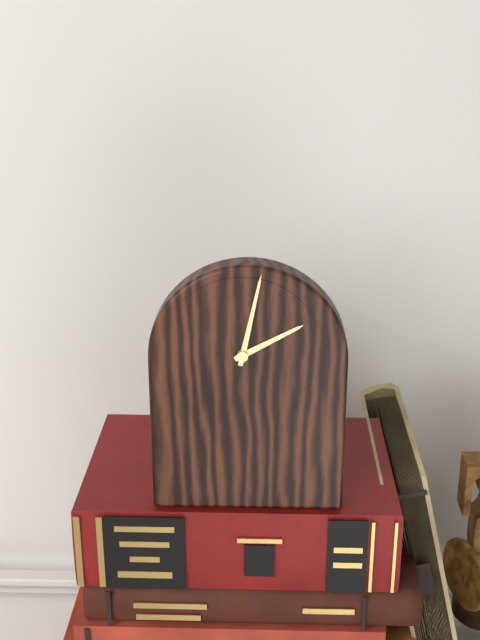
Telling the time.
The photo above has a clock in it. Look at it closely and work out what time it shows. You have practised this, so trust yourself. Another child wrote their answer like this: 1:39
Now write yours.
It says 2:02
